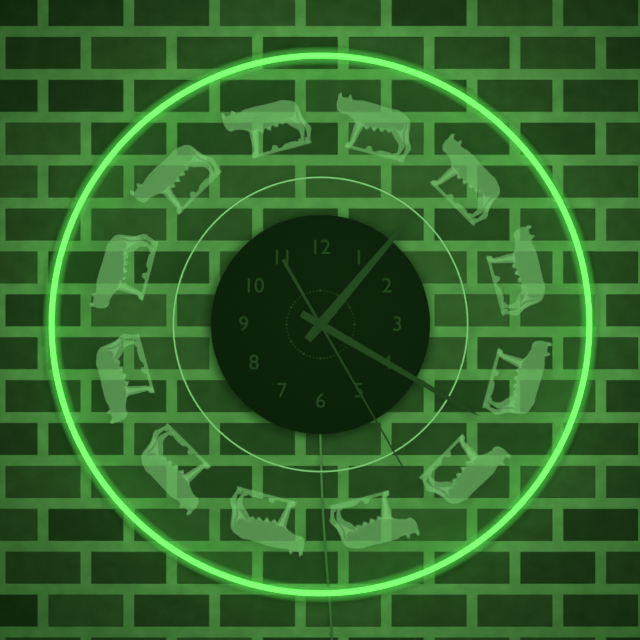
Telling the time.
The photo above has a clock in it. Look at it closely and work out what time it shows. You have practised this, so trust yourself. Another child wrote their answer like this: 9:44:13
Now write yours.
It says 1:20:25
